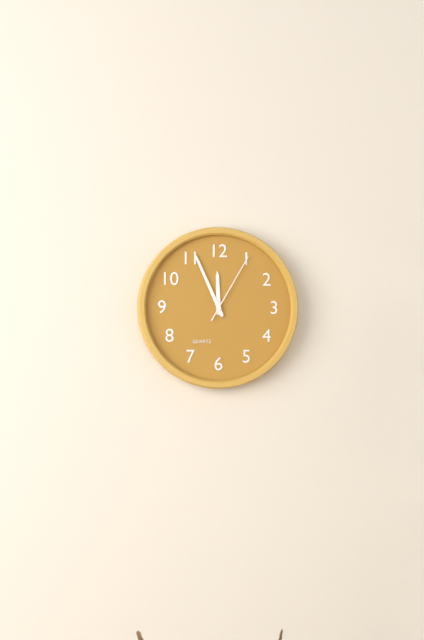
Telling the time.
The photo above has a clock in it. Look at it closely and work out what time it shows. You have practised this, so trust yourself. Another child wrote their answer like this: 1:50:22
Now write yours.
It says 11:56:05
